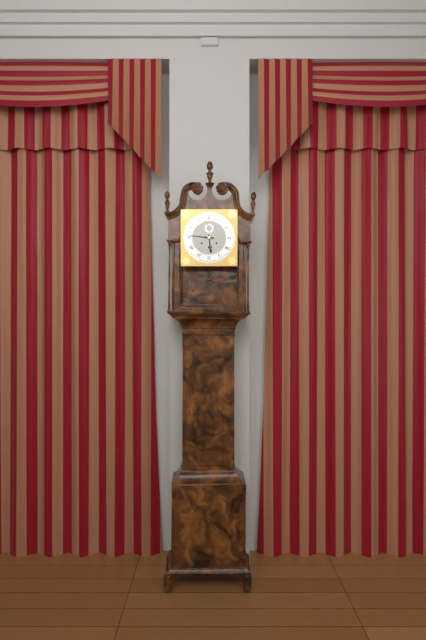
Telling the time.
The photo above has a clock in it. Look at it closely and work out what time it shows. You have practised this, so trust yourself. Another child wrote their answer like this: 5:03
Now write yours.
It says 5:46
